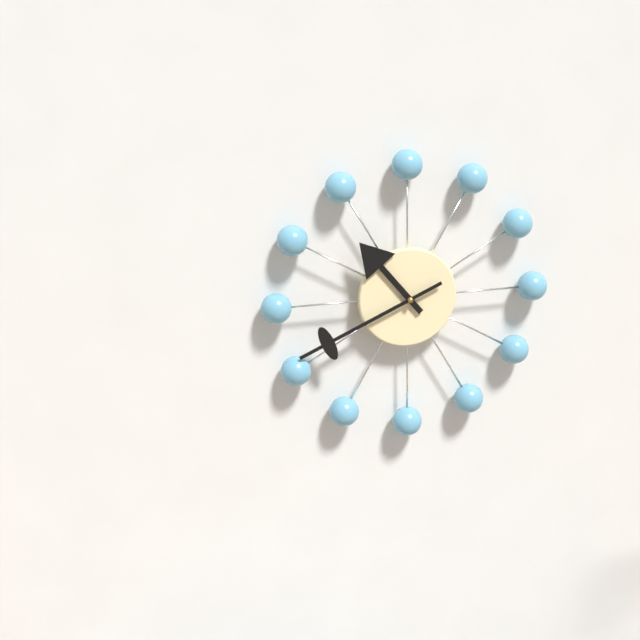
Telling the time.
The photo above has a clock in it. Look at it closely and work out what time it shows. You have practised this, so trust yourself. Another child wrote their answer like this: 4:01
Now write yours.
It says 10:41
